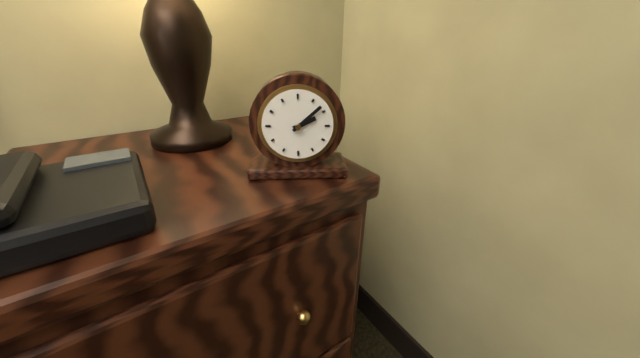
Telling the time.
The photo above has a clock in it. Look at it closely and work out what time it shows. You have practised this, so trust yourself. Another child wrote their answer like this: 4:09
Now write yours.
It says 2:08
